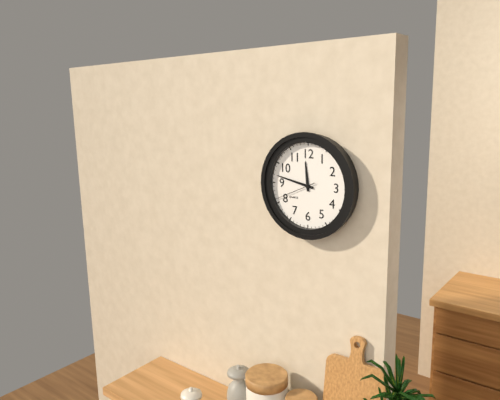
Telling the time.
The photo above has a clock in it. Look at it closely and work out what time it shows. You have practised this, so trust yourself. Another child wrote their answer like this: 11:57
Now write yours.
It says 11:47
